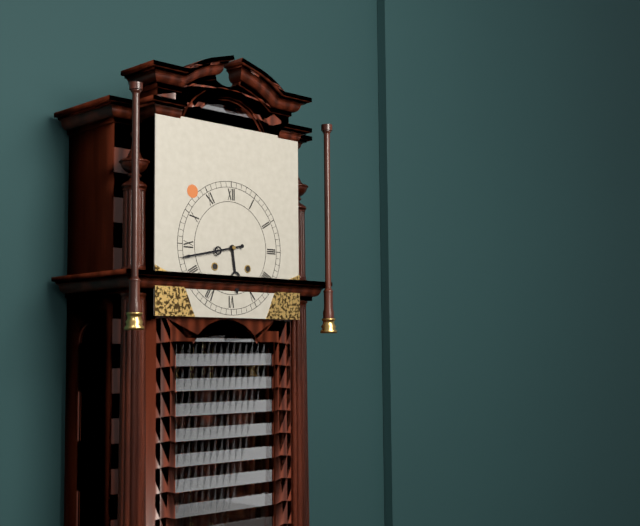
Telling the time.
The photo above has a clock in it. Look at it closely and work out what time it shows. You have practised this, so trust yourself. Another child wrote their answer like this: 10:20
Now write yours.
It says 5:43
